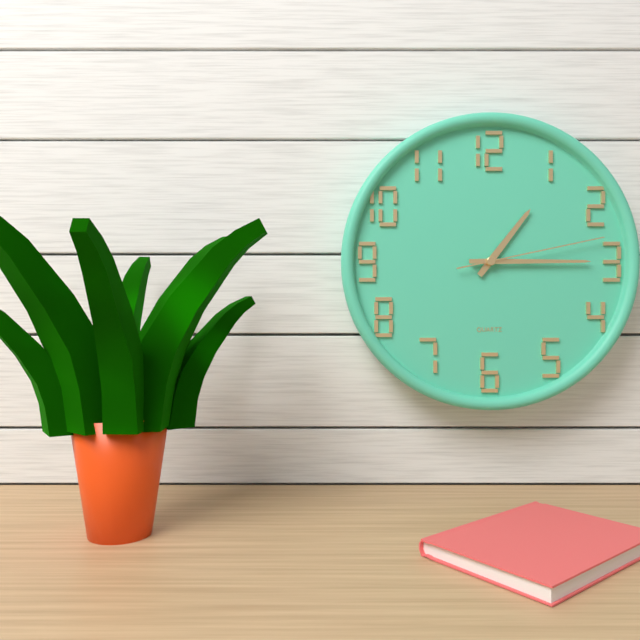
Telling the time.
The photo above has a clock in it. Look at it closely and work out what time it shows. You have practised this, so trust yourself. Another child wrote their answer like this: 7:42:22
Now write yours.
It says 1:15:13
